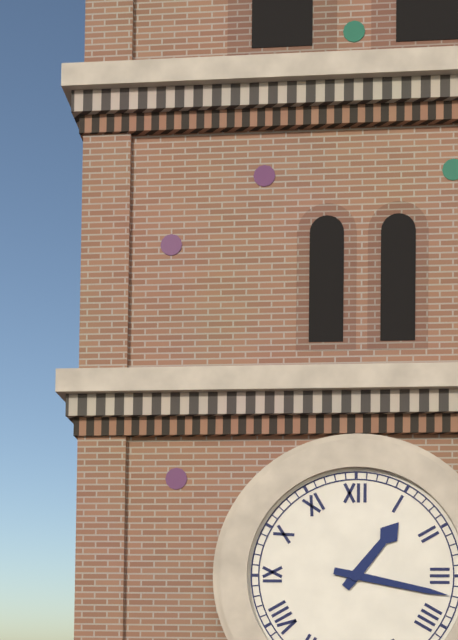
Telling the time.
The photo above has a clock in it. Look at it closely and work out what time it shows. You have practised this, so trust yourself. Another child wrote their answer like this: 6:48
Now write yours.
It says 1:17
